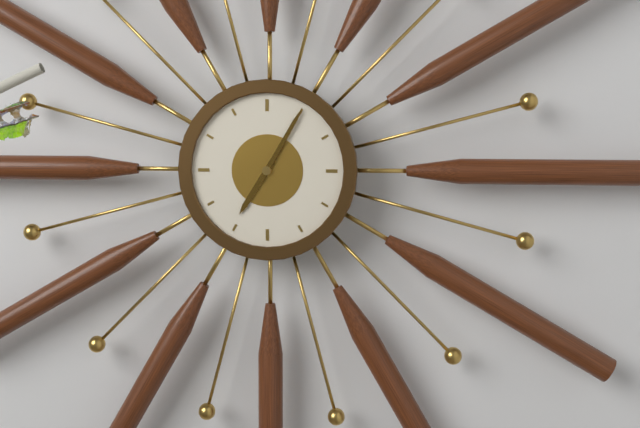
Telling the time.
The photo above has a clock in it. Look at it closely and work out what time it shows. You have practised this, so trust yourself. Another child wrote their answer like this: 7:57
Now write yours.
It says 7:05
